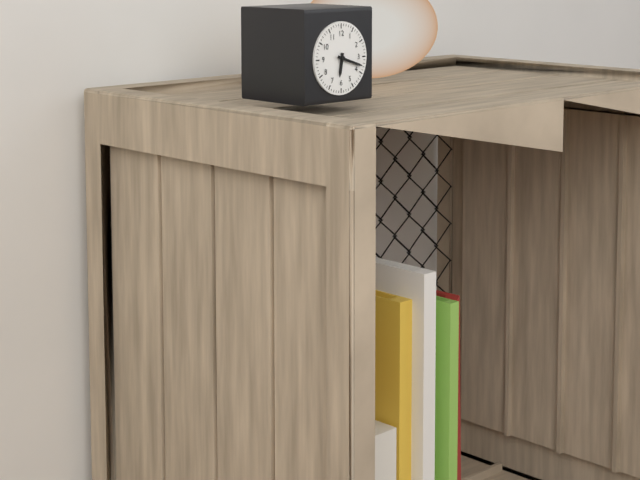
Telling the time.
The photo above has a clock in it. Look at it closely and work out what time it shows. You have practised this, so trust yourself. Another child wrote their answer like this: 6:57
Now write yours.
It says 6:18
